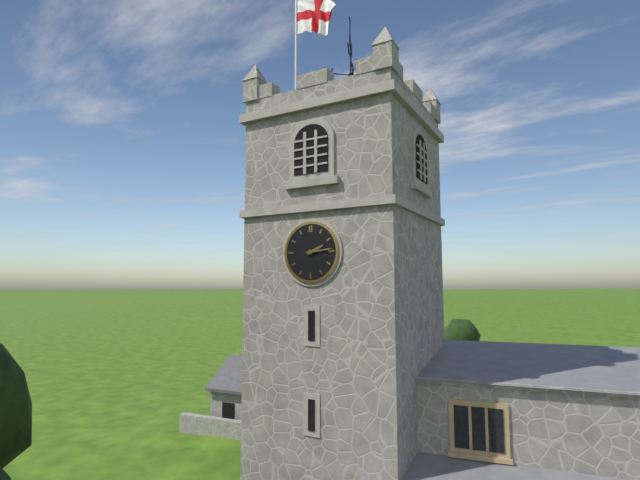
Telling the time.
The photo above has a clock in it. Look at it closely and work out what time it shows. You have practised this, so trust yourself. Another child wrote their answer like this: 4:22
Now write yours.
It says 2:14
